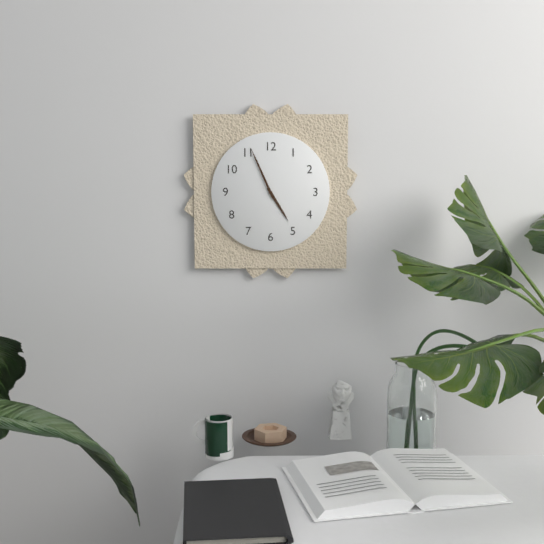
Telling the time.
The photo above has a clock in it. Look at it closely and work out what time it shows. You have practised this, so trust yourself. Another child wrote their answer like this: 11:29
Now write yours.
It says 4:56
